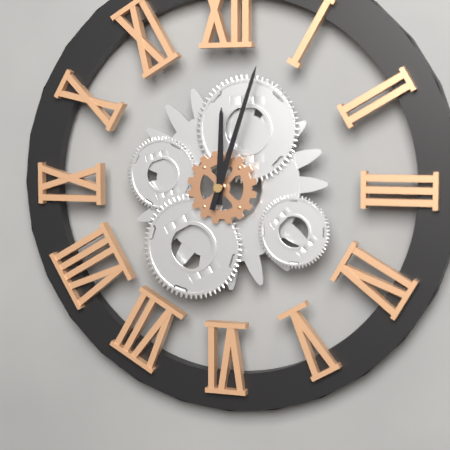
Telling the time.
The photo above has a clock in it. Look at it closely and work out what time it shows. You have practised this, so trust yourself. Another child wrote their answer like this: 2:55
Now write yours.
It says 12:03
